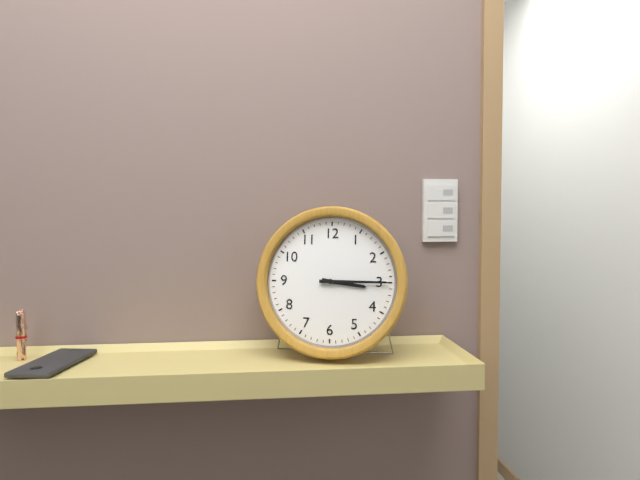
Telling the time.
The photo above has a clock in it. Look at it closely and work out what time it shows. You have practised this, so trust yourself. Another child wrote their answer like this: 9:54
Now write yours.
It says 3:15
